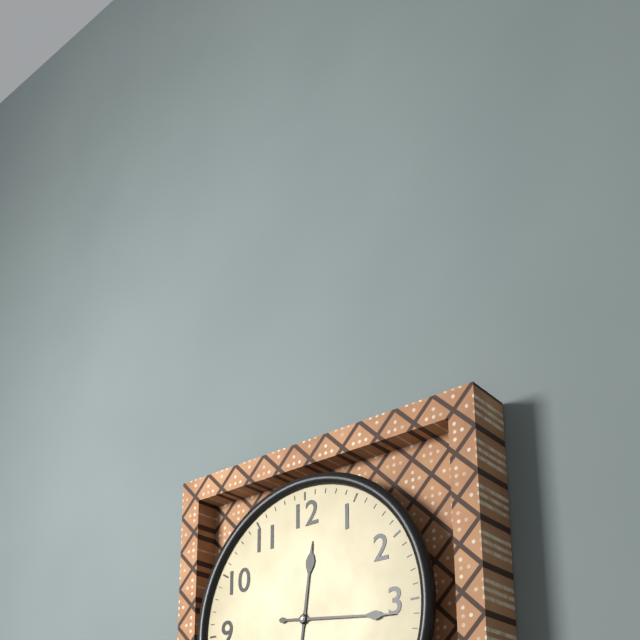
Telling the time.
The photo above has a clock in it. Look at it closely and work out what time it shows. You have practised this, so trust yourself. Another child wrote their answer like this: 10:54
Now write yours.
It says 12:16
